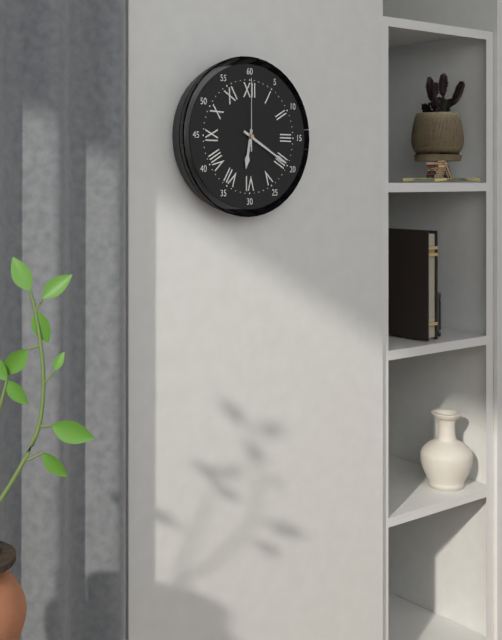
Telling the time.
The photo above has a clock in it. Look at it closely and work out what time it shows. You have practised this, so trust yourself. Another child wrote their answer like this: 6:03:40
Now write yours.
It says 6:20:00
